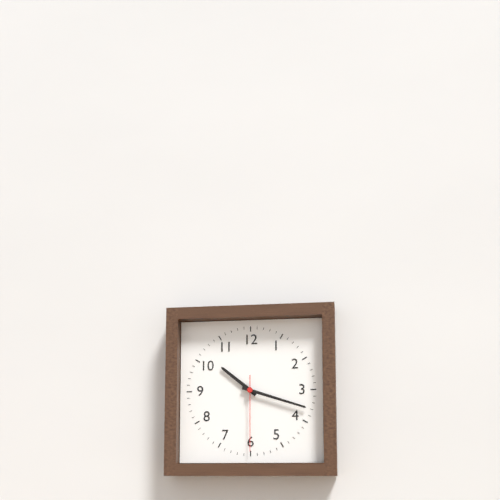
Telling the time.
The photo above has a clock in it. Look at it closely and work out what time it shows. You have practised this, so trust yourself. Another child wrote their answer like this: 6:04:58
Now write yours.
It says 10:18:30
